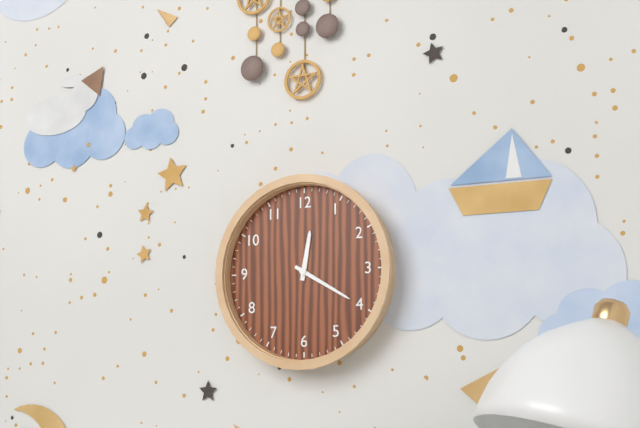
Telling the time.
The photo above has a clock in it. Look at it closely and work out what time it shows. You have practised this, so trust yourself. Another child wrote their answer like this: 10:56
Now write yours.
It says 12:20
